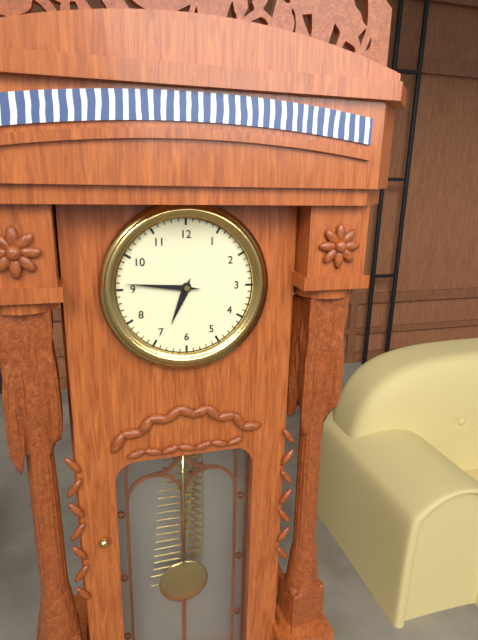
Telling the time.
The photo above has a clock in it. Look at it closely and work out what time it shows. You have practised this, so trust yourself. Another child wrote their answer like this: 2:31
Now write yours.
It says 6:46
